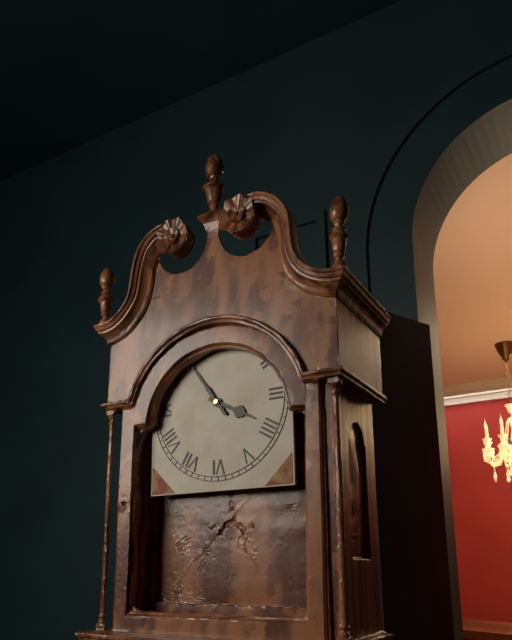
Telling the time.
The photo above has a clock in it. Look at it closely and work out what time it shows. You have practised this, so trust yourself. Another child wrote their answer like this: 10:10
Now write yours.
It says 3:54
